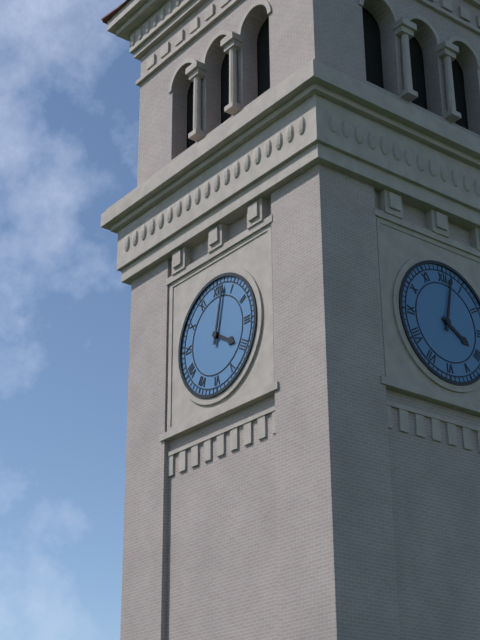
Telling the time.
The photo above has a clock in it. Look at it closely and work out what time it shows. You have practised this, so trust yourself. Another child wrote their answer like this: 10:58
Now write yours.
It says 4:02
